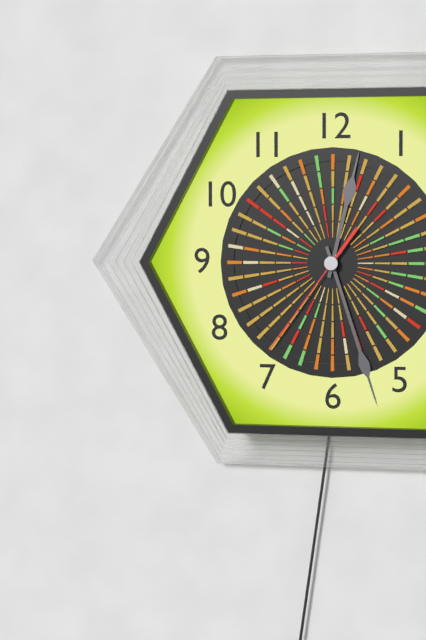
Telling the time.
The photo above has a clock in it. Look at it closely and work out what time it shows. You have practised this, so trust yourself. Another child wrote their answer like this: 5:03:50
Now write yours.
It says 12:27:36
